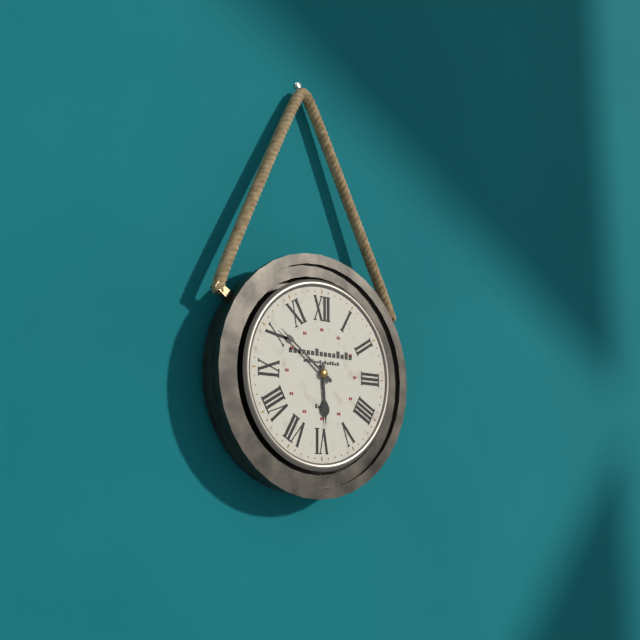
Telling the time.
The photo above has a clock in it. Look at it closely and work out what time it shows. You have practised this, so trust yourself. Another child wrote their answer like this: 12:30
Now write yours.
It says 5:51
